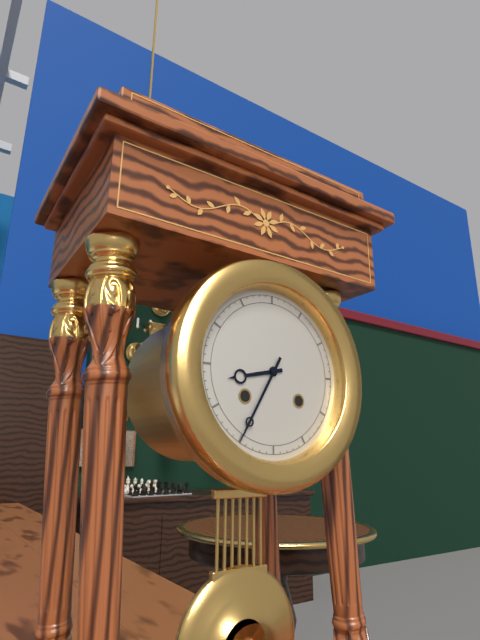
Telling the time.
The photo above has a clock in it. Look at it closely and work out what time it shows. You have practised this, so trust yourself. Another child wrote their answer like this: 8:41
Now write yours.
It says 8:35
